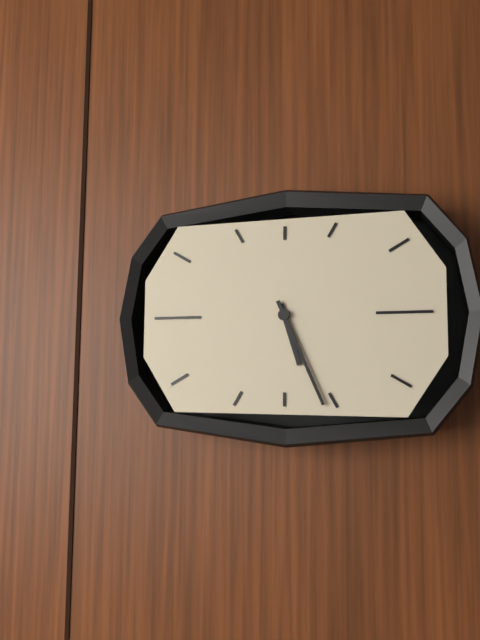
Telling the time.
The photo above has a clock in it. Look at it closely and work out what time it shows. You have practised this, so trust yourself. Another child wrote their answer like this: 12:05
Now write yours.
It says 5:26
